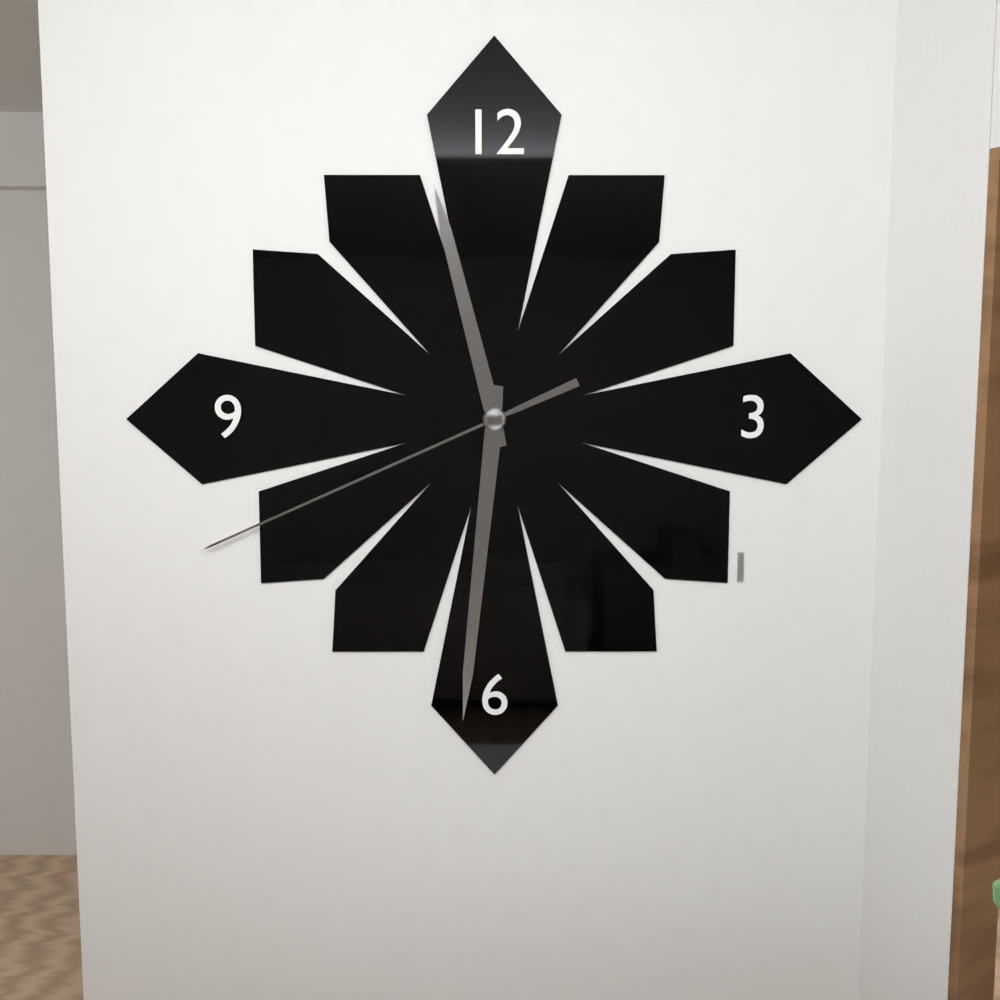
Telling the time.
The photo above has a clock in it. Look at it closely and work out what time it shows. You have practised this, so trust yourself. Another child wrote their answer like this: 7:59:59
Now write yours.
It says 11:31:41
